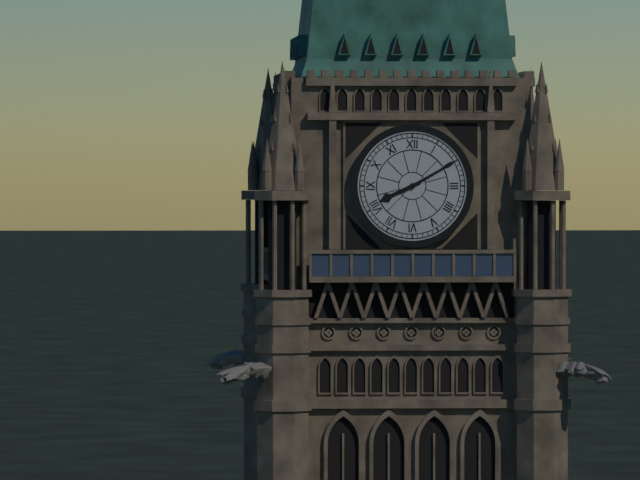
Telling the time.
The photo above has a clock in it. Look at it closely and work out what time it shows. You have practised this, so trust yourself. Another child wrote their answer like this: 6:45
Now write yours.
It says 8:10
